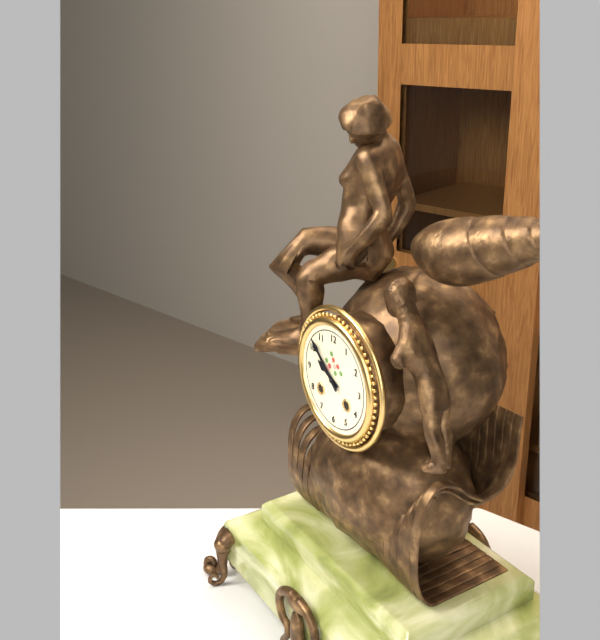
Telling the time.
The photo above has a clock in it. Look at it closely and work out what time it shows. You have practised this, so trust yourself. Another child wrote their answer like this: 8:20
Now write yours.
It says 9:52
